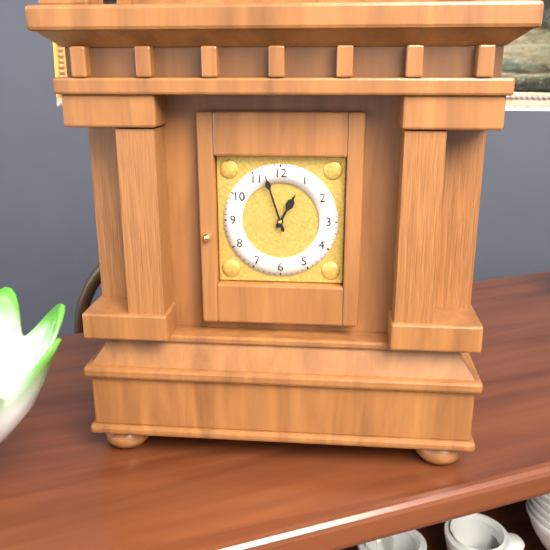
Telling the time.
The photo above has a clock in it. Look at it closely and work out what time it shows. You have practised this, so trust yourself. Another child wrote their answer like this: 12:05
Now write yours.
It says 12:57
